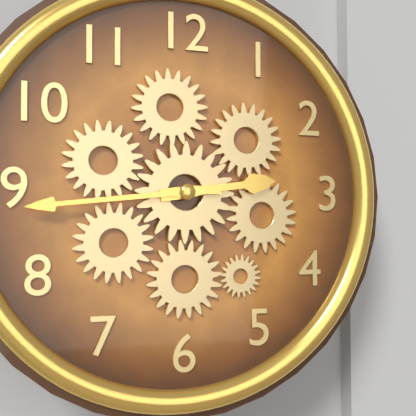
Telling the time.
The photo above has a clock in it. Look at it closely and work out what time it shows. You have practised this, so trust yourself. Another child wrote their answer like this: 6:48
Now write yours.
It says 2:44
